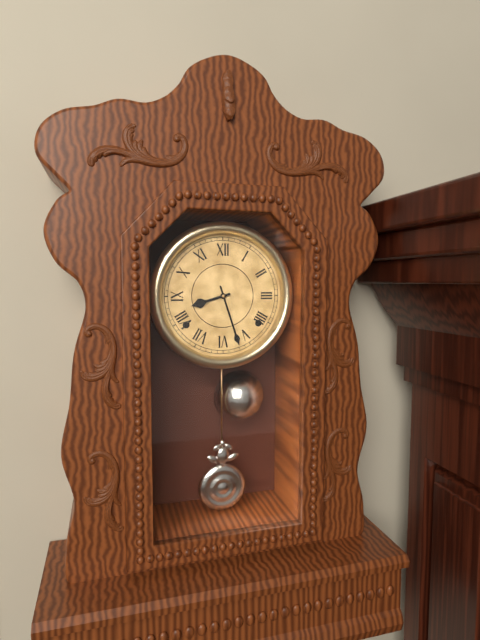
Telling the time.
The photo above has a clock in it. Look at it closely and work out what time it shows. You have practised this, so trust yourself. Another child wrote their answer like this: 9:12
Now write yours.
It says 8:27
